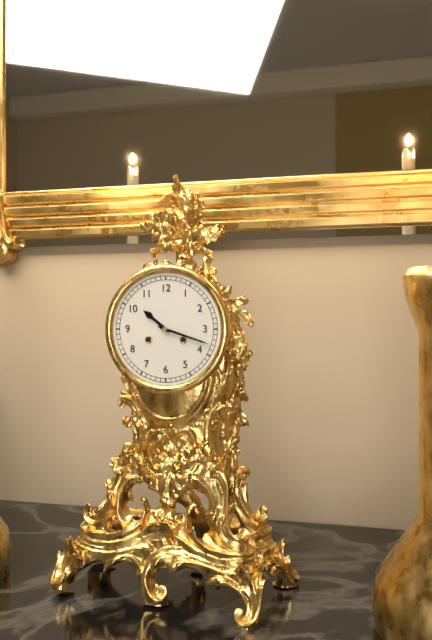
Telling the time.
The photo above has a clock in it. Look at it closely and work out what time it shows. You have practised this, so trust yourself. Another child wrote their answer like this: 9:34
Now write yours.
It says 10:18
